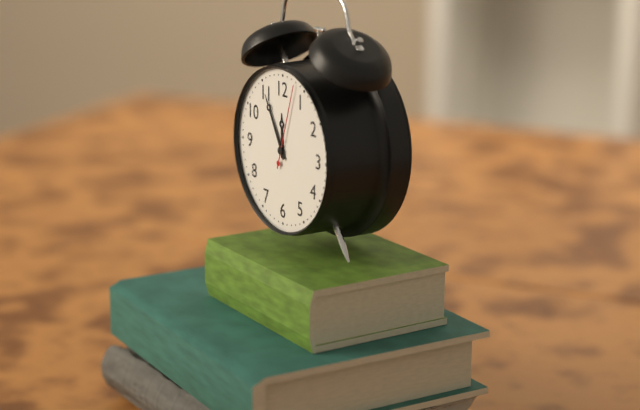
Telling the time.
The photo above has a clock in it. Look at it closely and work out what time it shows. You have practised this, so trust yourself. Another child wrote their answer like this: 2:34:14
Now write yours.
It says 11:55:03
